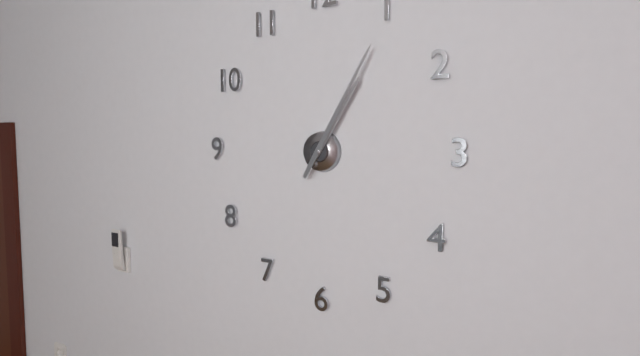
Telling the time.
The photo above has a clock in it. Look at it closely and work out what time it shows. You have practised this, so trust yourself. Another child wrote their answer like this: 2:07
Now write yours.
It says 1:05
